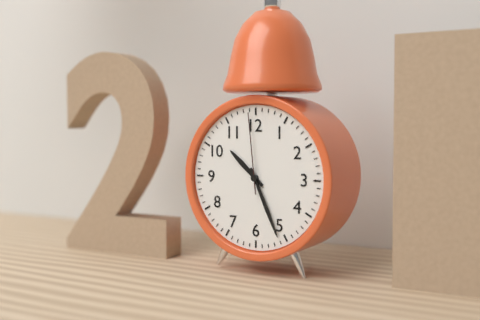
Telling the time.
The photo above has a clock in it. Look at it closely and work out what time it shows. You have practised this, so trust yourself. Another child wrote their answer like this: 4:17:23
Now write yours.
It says 10:26:59
